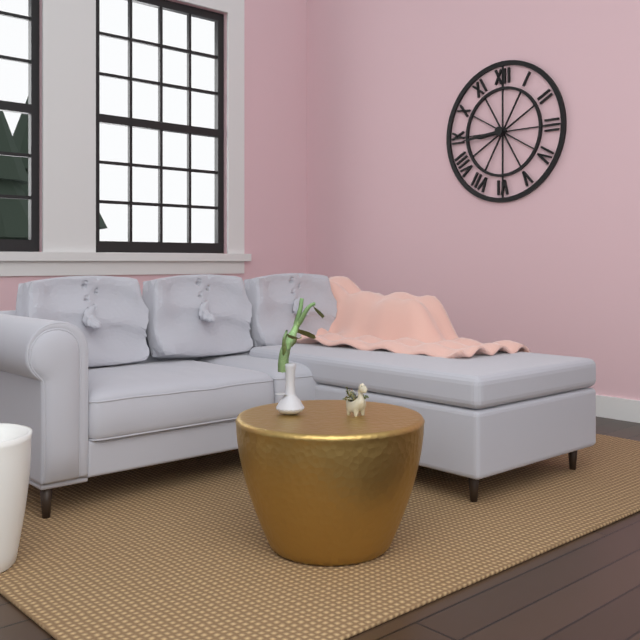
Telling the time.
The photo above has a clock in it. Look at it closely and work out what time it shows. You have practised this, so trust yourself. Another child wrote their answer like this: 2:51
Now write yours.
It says 8:44
